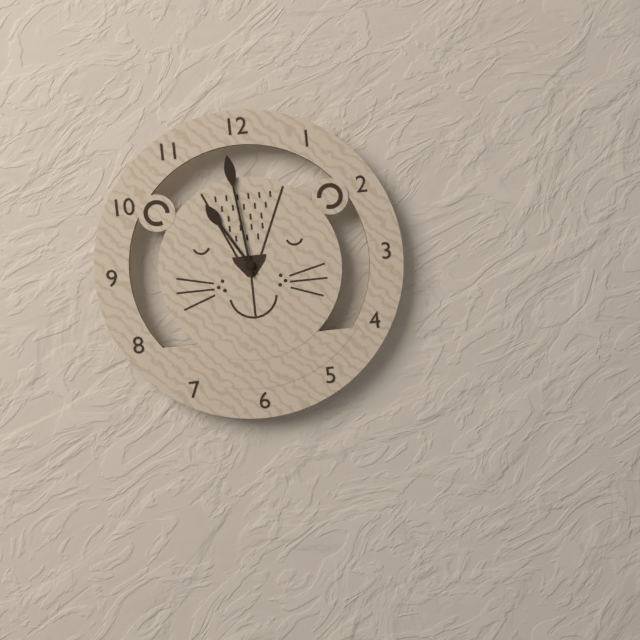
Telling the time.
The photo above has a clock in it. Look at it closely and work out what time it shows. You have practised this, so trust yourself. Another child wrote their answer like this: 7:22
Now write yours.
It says 10:59
